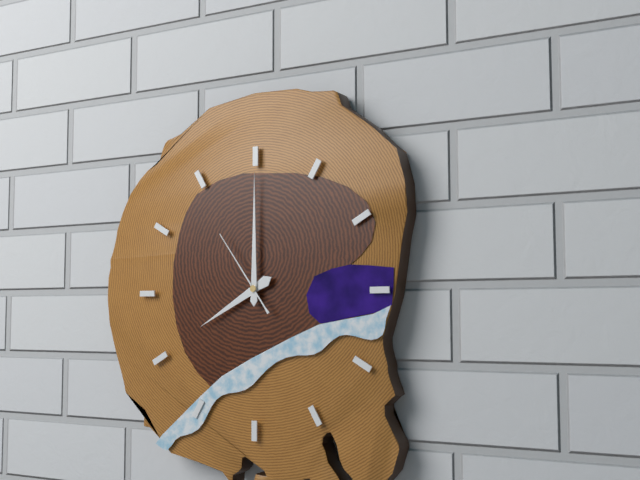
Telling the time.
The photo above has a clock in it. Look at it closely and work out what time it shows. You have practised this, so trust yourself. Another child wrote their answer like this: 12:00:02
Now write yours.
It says 8:00:54
